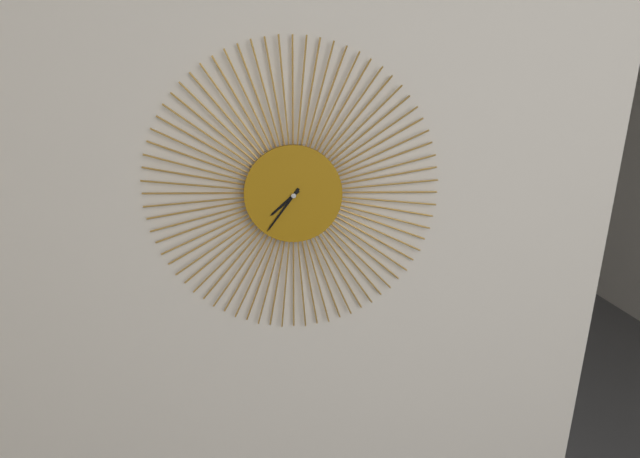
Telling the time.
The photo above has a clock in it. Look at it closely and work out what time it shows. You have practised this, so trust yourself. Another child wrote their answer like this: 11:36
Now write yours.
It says 7:36
